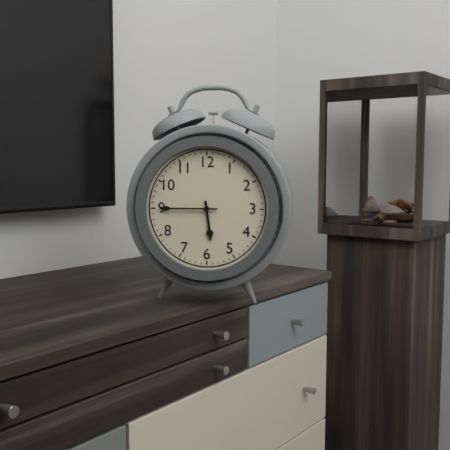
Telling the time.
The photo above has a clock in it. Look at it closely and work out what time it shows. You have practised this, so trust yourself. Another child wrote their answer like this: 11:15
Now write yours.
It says 5:45
